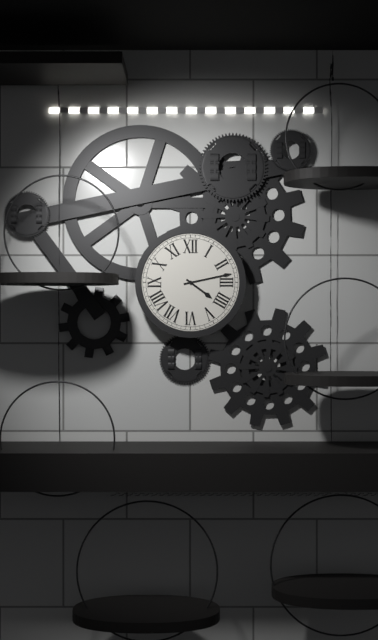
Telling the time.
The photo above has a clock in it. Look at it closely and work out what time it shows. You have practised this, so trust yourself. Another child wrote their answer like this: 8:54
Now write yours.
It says 4:13
